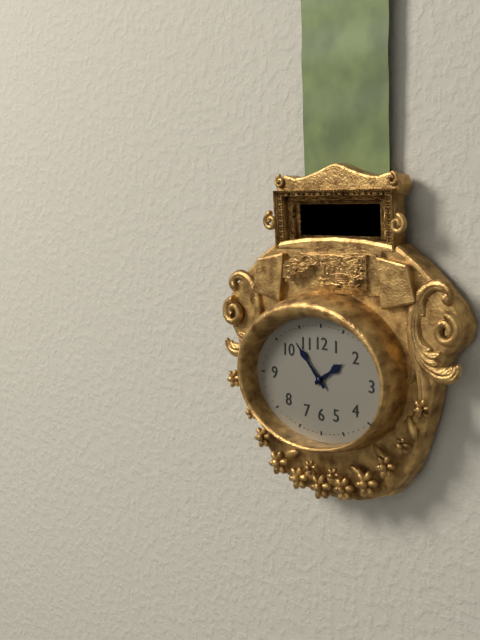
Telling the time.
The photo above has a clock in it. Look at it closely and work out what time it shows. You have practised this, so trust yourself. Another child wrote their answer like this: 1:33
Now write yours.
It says 1:53
